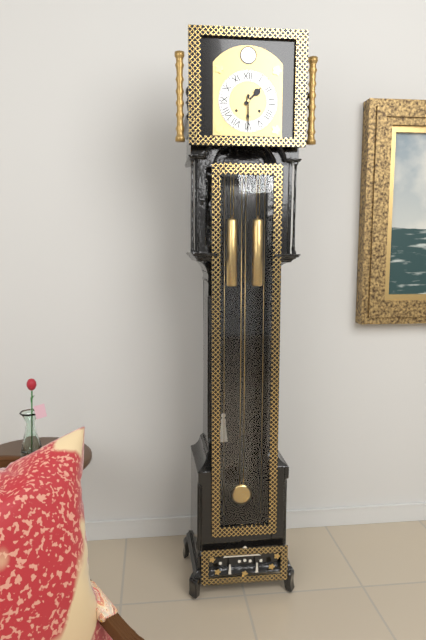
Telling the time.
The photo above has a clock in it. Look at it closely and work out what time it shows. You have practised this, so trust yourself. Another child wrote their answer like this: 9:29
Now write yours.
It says 1:30
